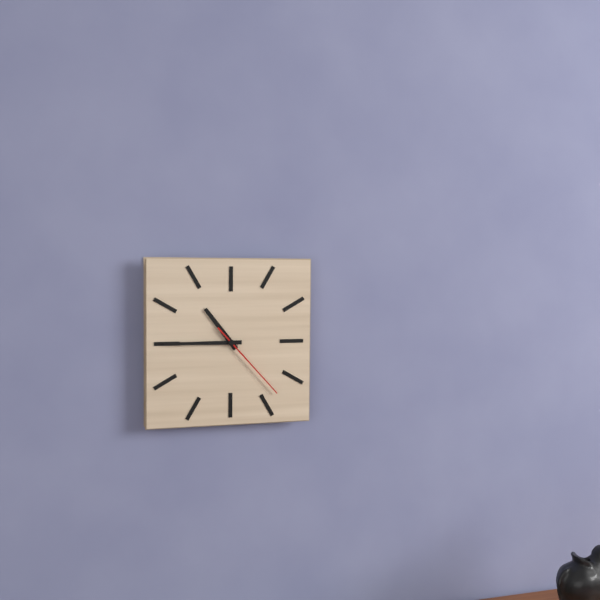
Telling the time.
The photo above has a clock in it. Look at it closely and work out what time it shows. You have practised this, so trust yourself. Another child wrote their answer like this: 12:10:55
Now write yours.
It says 10:45:23
